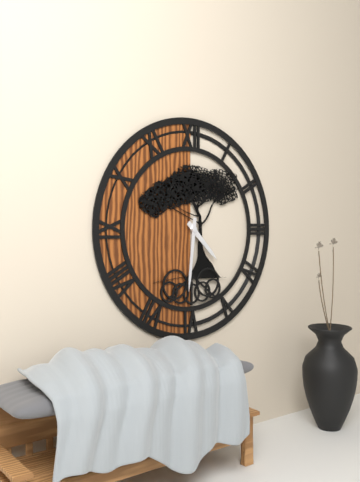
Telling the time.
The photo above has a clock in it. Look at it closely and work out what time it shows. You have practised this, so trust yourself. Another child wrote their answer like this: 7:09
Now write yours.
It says 4:31
